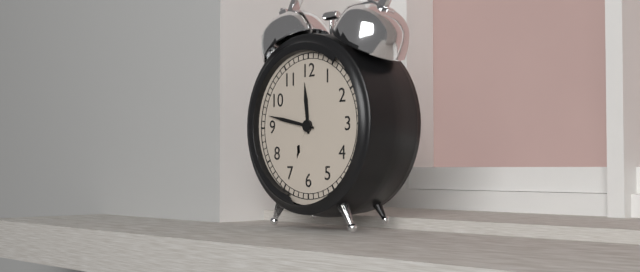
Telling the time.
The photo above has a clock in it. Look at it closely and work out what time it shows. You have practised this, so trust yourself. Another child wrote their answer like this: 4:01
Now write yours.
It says 11:47
